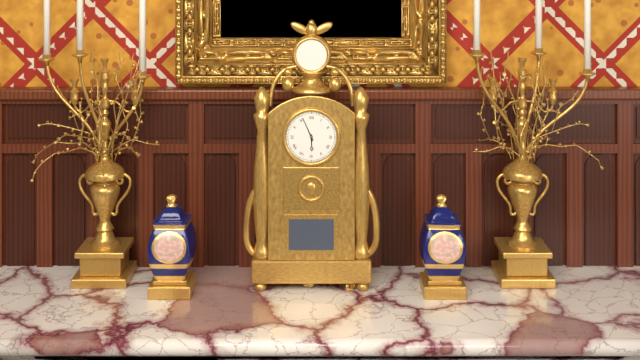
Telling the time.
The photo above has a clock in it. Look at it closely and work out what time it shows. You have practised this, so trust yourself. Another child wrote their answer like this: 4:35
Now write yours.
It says 5:56
